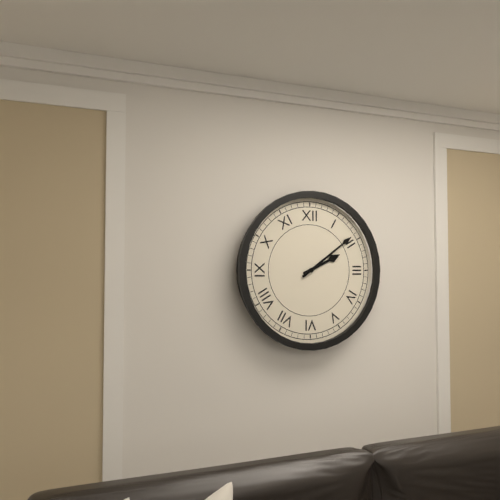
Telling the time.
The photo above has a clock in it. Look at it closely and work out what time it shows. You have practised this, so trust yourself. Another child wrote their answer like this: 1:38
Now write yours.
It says 2:09
